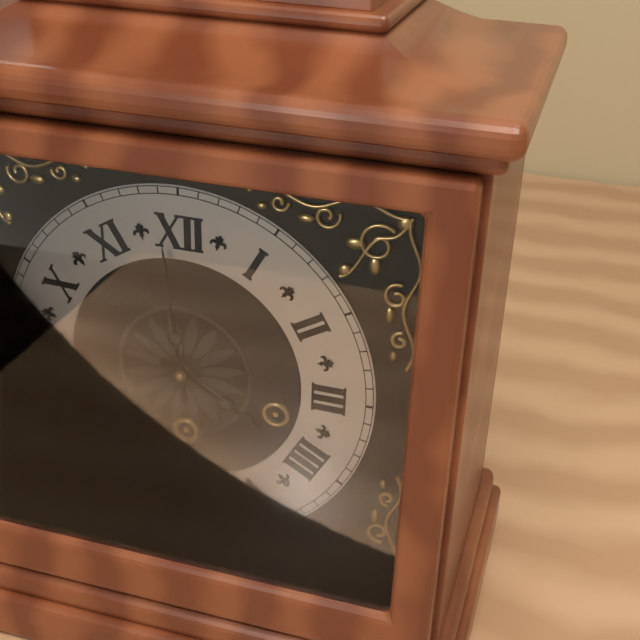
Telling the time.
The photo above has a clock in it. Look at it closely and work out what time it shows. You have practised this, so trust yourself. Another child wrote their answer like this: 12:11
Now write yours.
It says 3:59
